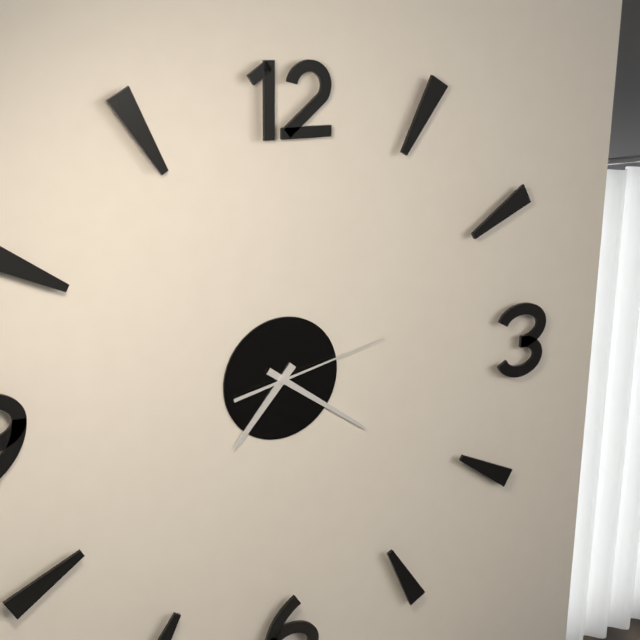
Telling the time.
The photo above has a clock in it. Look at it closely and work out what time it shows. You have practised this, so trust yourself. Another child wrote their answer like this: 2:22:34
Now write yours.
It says 7:21:13
